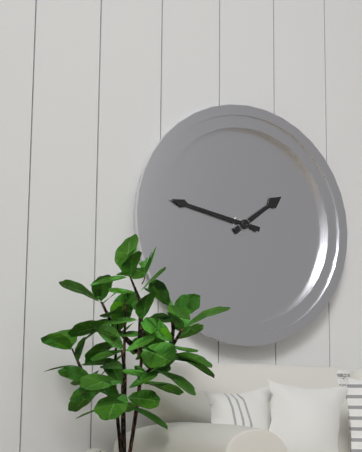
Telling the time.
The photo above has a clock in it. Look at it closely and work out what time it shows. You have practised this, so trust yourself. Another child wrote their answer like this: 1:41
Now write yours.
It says 1:47
